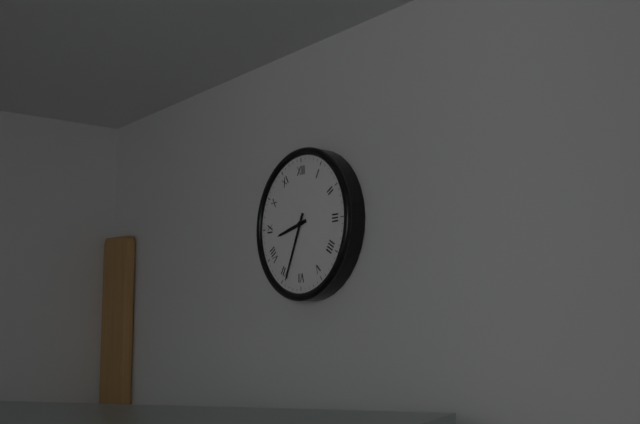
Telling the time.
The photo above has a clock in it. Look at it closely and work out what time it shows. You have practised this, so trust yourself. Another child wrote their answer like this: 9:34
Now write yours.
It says 8:34
